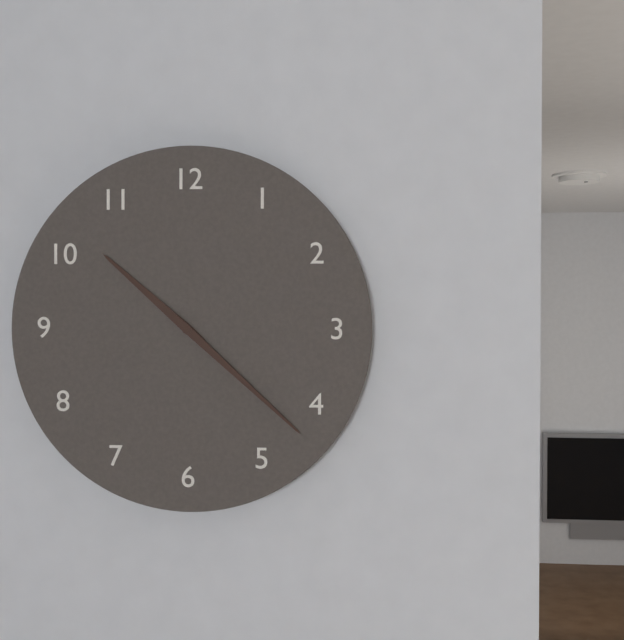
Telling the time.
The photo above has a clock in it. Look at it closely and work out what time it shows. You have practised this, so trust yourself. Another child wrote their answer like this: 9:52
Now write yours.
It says 10:22
